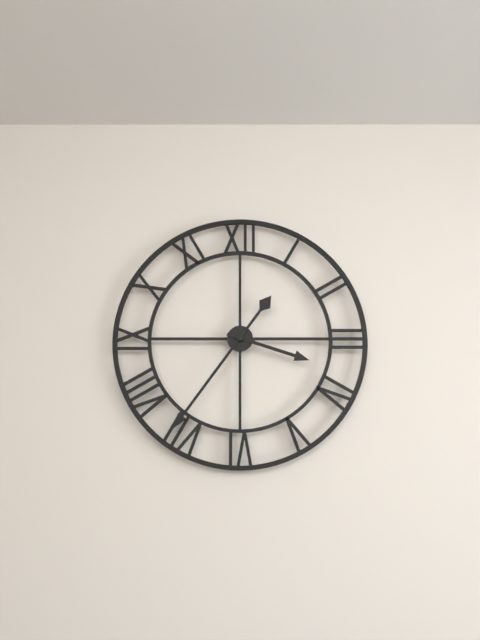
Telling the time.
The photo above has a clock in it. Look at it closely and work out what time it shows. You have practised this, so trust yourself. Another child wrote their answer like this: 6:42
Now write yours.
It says 3:36
